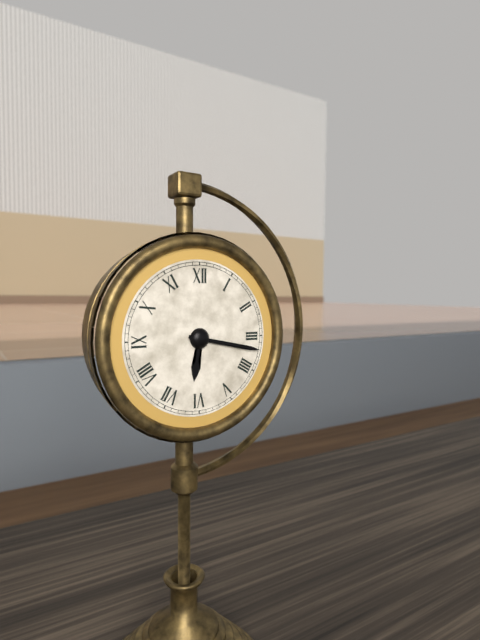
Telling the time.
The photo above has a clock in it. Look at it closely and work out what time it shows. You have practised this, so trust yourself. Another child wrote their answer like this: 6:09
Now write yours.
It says 6:17
